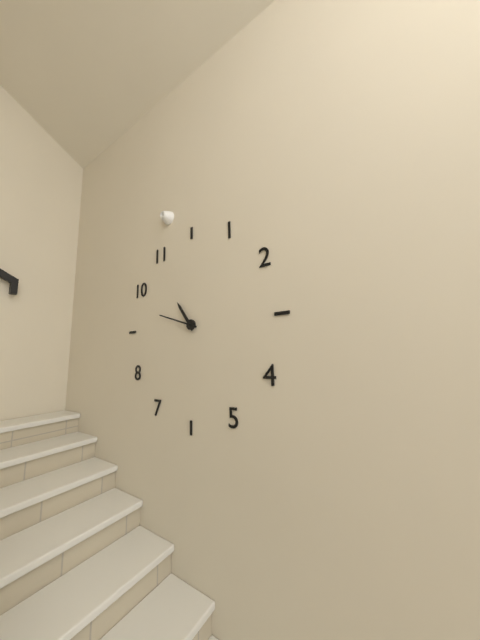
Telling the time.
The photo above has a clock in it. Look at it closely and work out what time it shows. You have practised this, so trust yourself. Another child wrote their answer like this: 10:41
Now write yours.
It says 10:48
